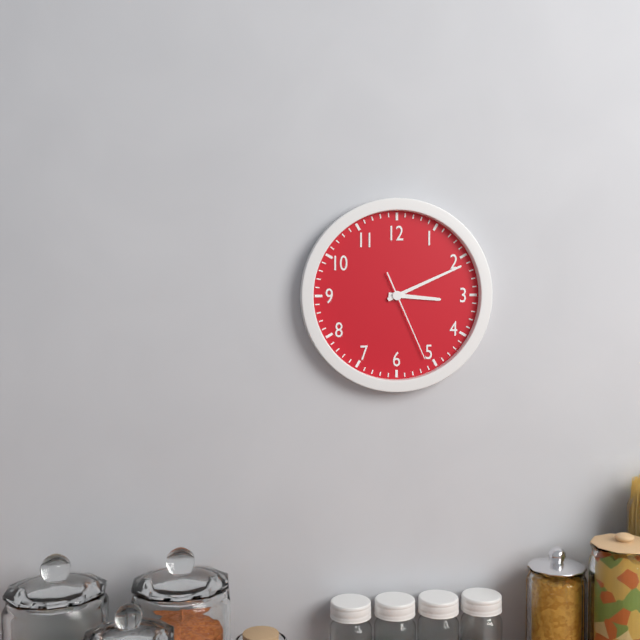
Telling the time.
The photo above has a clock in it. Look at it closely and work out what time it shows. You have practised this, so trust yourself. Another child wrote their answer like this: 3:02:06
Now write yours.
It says 3:11:26
